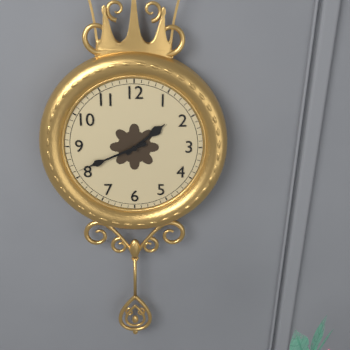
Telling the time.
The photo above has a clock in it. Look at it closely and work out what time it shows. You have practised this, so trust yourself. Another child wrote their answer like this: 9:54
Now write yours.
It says 1:41
